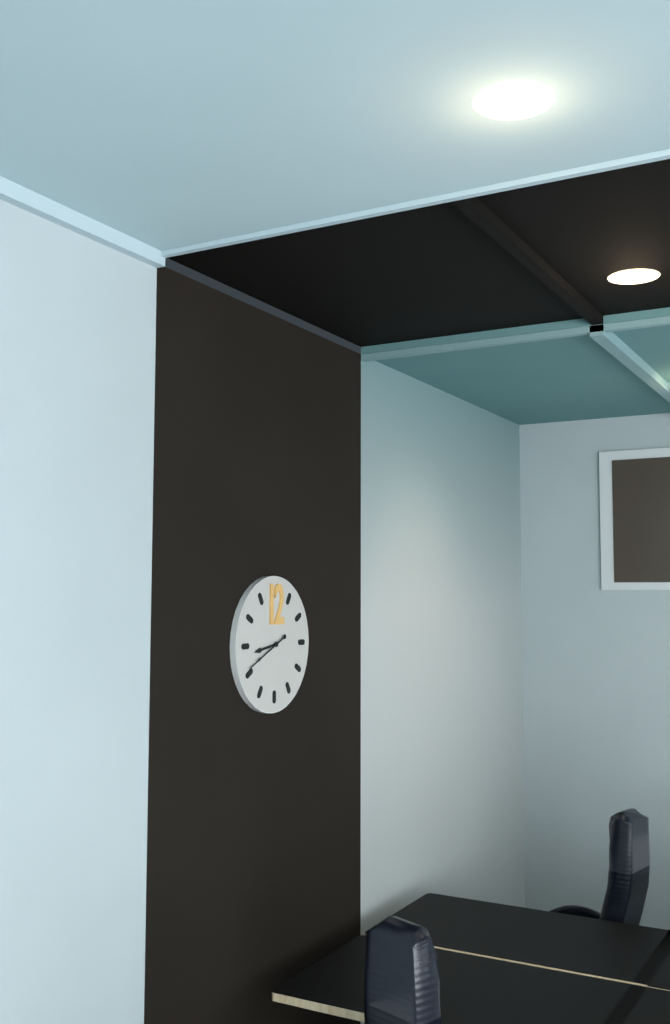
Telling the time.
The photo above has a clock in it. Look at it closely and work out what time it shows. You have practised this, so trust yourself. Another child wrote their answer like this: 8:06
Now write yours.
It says 8:41
